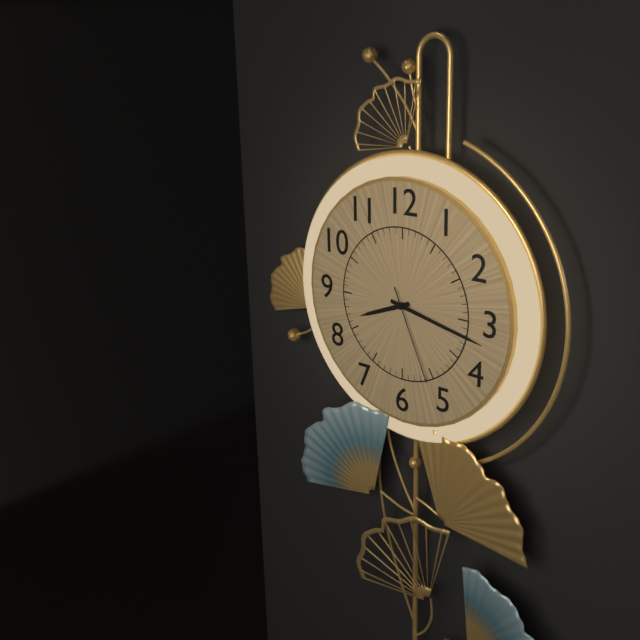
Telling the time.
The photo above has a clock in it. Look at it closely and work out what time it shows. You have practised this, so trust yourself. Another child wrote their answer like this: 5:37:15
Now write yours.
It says 8:17:26
